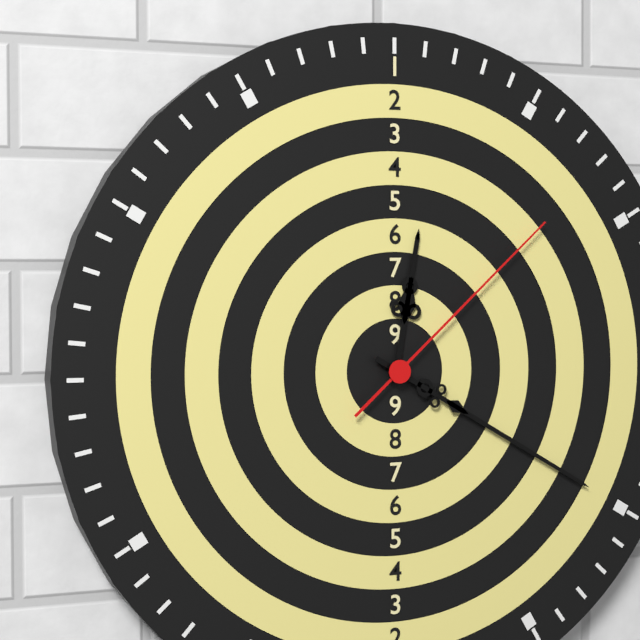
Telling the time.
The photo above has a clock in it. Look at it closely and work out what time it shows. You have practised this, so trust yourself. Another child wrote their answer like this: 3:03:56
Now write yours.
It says 12:20:08
